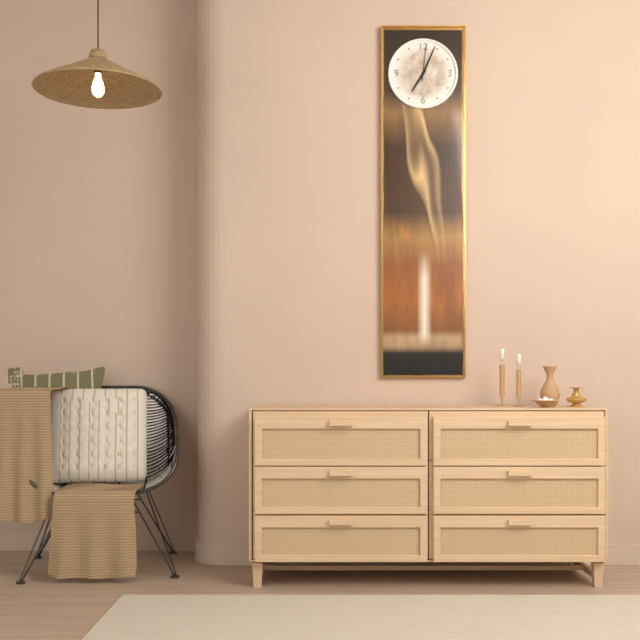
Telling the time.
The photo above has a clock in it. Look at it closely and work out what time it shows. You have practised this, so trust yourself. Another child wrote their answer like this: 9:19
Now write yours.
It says 7:04
